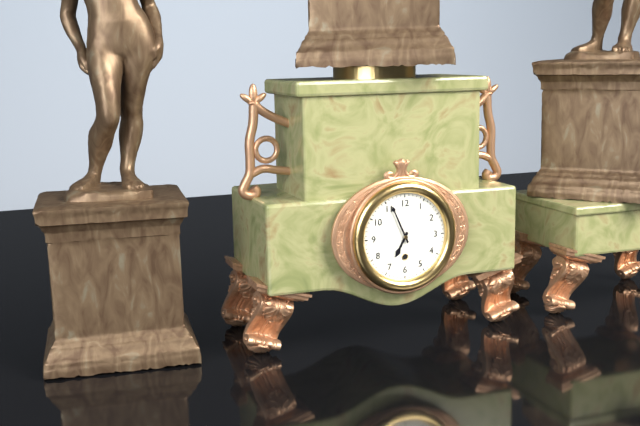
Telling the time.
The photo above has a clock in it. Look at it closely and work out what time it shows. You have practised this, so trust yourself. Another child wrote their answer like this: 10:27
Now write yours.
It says 6:56
